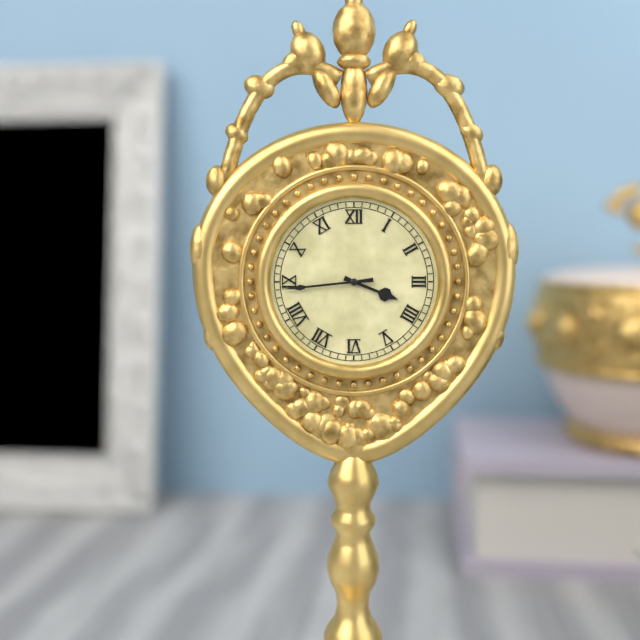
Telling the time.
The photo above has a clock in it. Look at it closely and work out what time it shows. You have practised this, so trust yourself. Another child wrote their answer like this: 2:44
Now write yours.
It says 3:44
